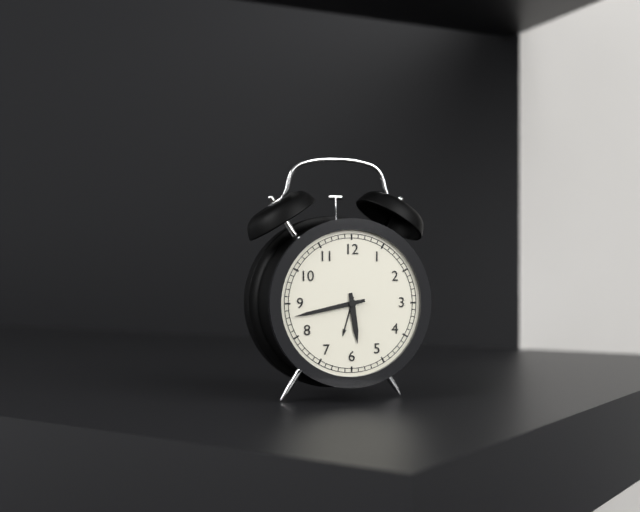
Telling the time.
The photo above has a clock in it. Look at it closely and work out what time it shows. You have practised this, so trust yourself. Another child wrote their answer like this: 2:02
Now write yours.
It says 5:43
